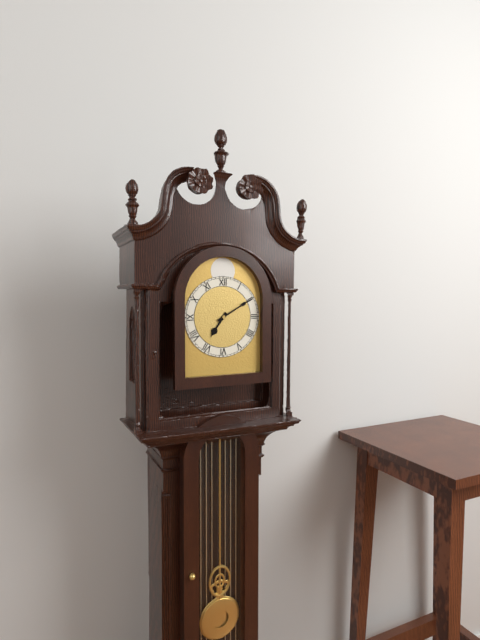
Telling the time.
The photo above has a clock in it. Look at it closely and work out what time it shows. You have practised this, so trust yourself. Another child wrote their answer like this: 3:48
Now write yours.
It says 7:10
